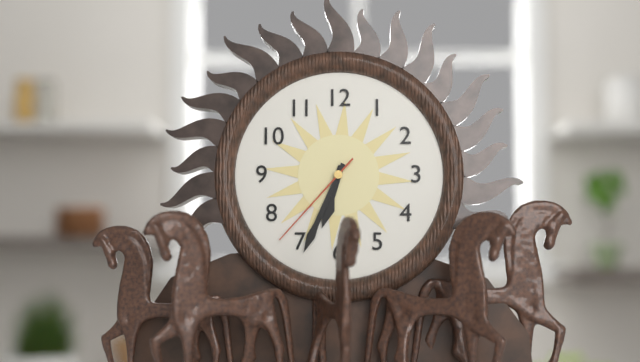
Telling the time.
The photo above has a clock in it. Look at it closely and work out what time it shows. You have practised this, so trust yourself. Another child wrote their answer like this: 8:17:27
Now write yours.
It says 6:34:37
